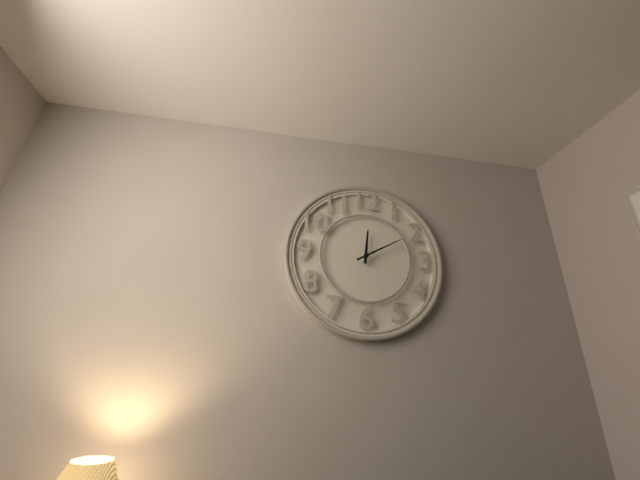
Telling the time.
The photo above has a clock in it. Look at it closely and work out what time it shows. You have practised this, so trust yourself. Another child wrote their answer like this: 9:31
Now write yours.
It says 12:10
